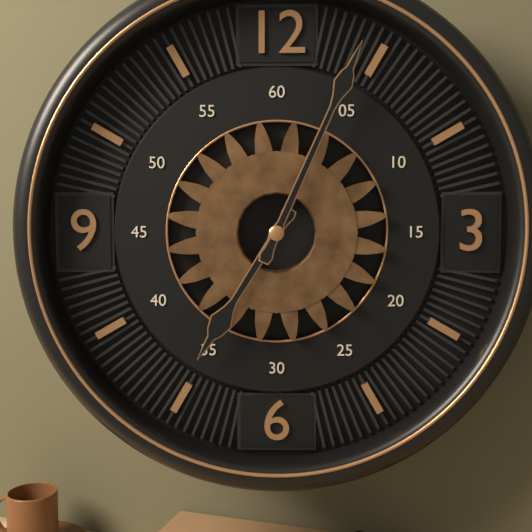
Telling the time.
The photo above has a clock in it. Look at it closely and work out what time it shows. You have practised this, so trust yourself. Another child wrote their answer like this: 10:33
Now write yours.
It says 7:04
